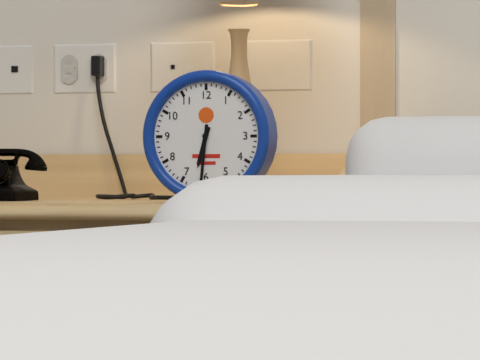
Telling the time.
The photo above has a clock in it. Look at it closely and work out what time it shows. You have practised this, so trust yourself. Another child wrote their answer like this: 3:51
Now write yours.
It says 6:31
